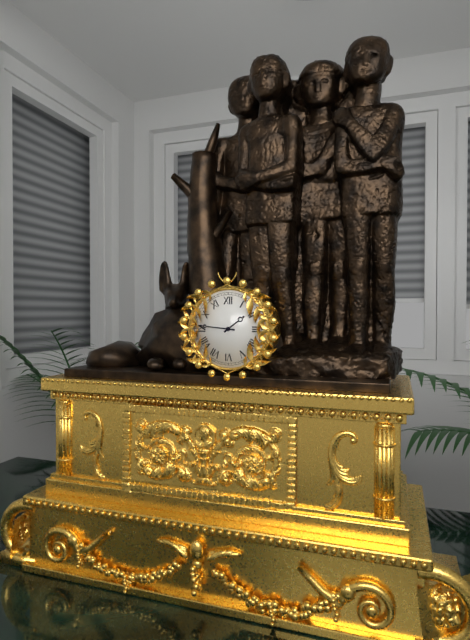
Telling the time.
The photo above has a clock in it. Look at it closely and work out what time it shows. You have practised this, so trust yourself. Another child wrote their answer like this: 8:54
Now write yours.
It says 1:46
